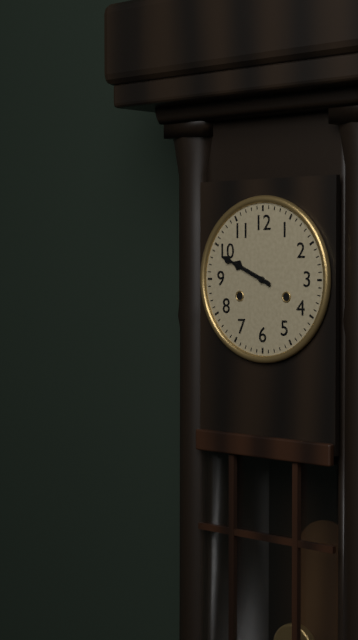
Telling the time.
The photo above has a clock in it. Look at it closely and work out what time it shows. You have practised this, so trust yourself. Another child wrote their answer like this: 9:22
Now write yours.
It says 9:49
